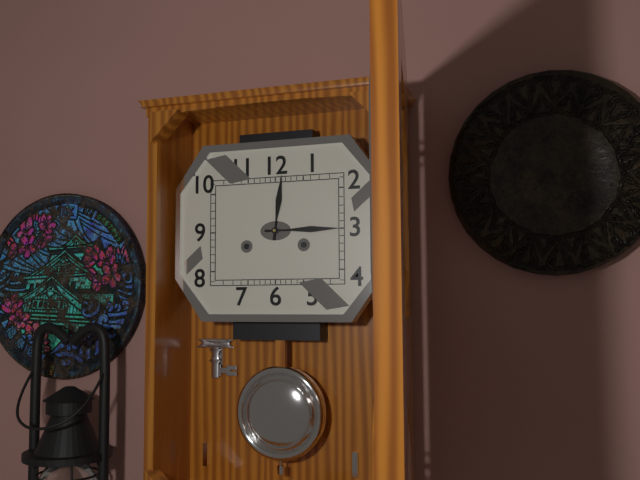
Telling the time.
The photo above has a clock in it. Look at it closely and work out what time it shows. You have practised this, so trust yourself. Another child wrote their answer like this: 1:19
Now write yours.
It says 12:15
